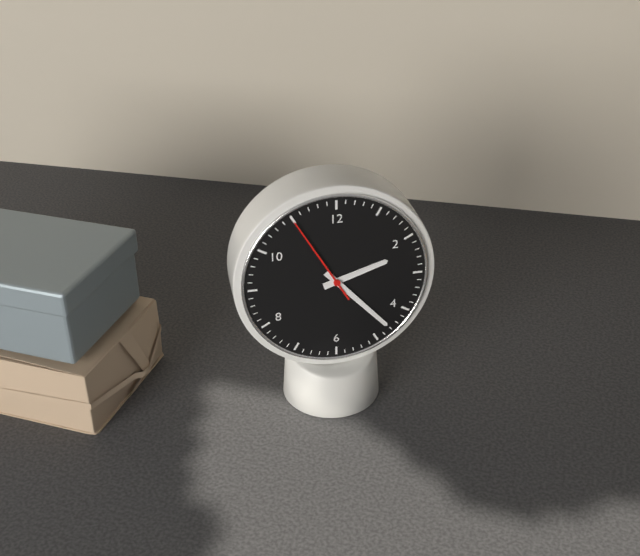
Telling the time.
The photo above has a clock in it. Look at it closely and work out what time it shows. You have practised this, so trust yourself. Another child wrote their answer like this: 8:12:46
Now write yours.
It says 2:23:55
